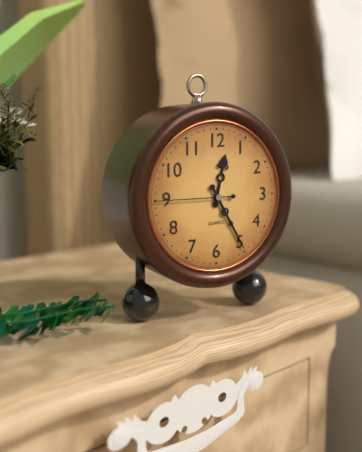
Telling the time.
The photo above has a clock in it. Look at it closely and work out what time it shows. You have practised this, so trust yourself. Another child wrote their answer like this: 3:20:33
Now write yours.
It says 12:25:45
